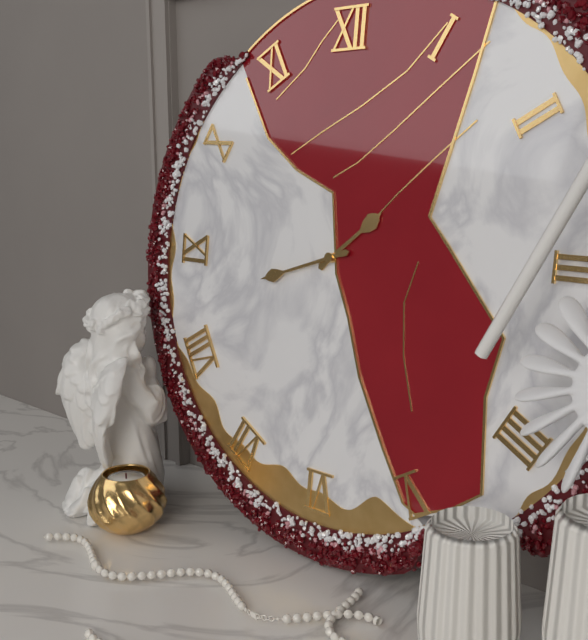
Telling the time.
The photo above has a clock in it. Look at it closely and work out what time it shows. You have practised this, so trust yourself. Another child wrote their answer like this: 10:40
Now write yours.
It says 1:42
